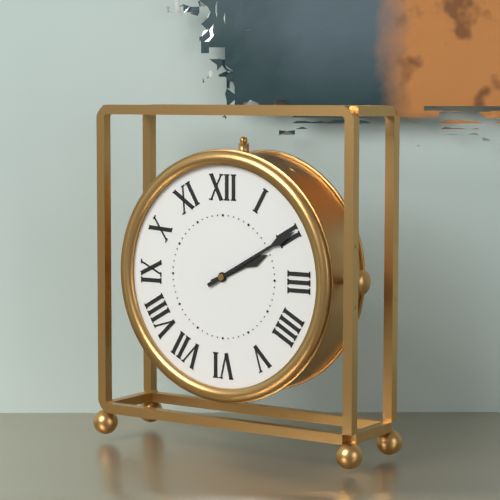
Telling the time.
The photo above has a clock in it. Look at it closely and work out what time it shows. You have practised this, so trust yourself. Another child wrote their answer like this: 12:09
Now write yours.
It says 2:10
